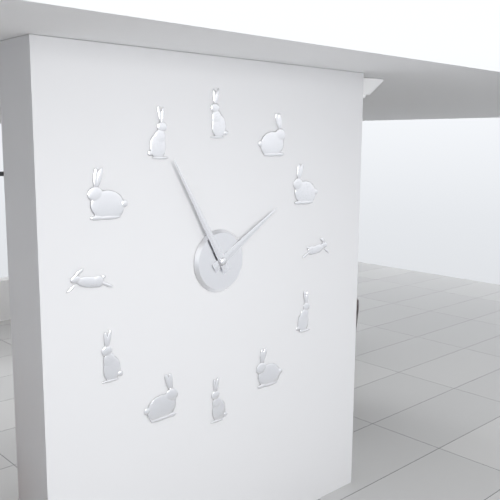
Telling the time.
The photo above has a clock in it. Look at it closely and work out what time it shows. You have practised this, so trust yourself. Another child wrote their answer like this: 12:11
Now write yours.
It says 1:55
